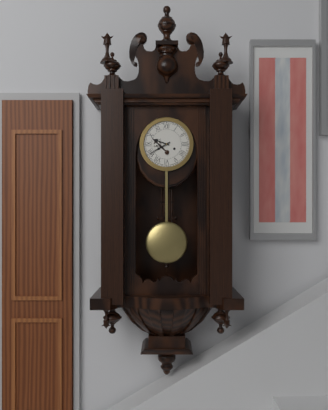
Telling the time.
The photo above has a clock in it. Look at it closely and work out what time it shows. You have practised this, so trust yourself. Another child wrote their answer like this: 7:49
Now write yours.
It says 9:40
